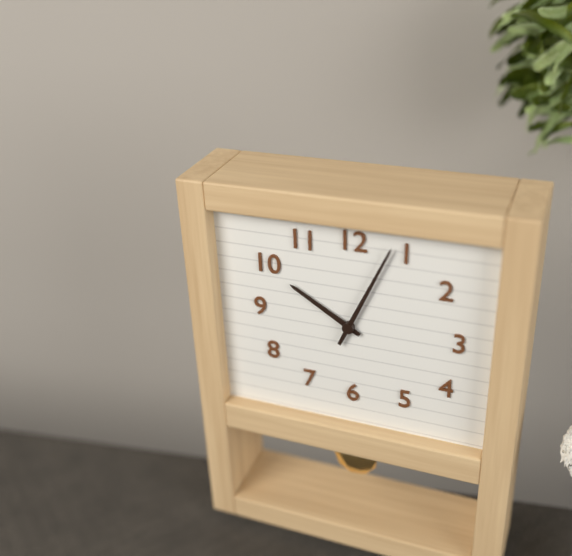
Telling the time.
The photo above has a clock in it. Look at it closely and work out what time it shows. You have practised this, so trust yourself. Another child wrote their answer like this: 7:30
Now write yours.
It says 10:04
